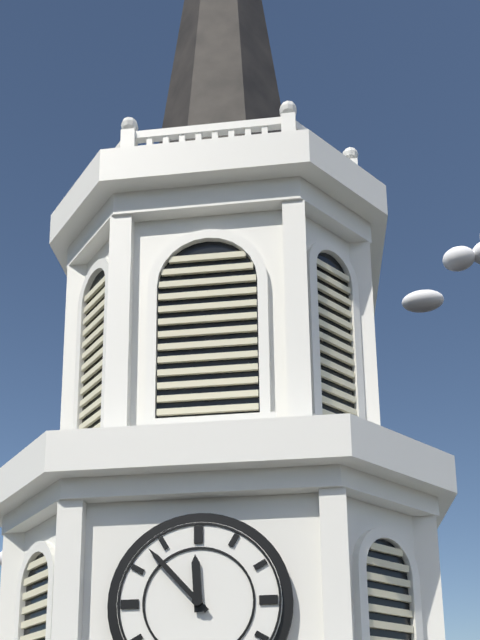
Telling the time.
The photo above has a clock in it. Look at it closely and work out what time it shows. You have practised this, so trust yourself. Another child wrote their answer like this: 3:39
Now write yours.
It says 11:53
